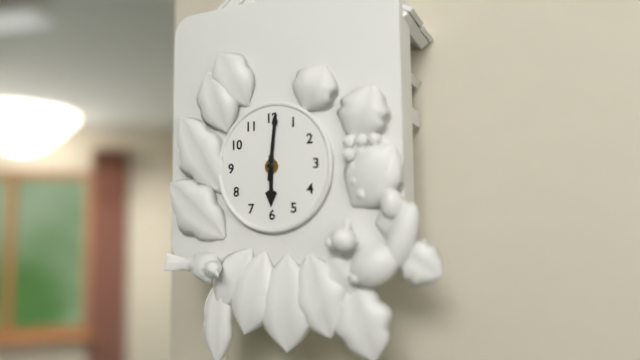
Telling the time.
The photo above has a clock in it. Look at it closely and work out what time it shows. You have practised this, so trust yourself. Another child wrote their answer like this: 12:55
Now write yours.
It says 6:01
